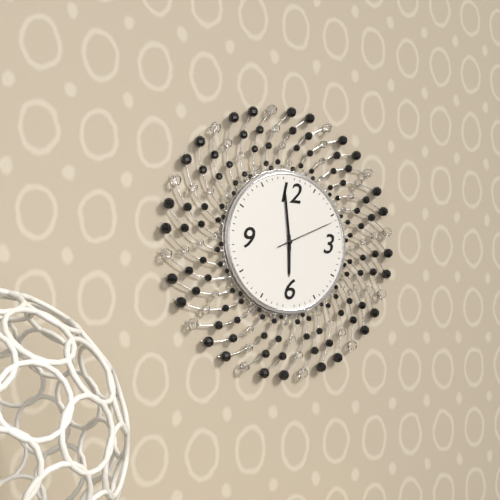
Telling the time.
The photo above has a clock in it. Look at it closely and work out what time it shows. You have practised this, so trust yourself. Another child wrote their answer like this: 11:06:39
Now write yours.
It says 5:59:11
